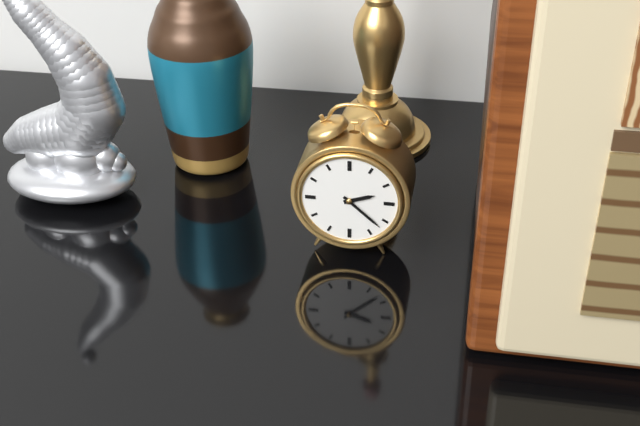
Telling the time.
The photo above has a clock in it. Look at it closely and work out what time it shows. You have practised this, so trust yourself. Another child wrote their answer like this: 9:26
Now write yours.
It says 2:22
